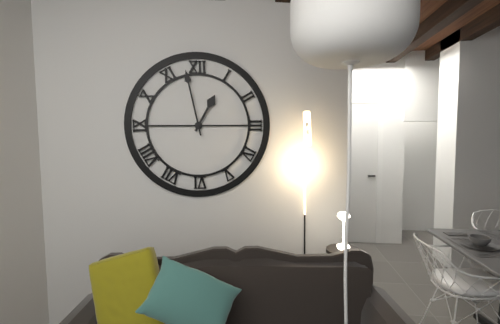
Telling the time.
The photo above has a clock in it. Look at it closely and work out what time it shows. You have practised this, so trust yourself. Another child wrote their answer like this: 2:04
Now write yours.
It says 12:58
